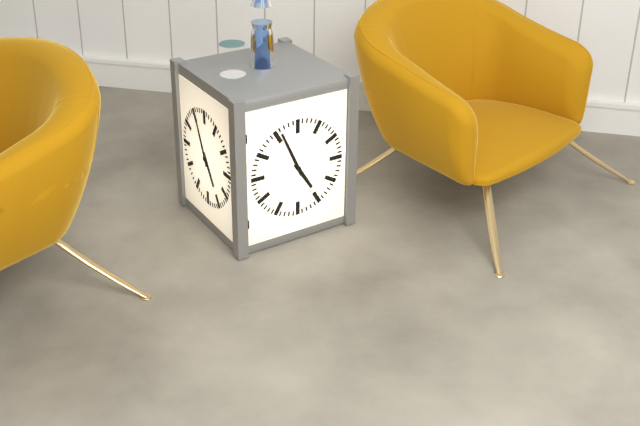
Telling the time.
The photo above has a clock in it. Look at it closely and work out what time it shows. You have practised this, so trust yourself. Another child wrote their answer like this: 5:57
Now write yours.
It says 4:56
